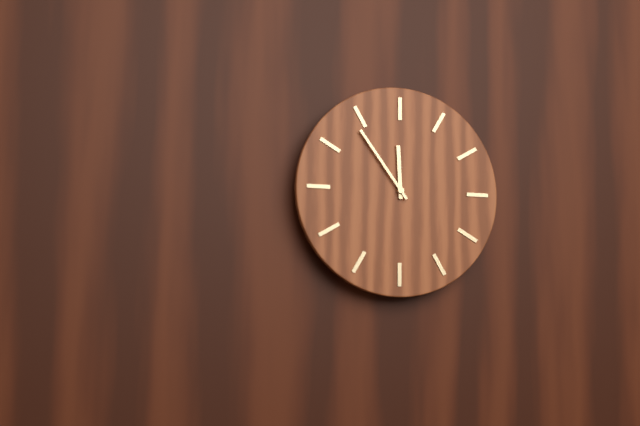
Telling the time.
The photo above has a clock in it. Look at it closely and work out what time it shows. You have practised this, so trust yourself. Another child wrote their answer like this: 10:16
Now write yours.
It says 11:54
